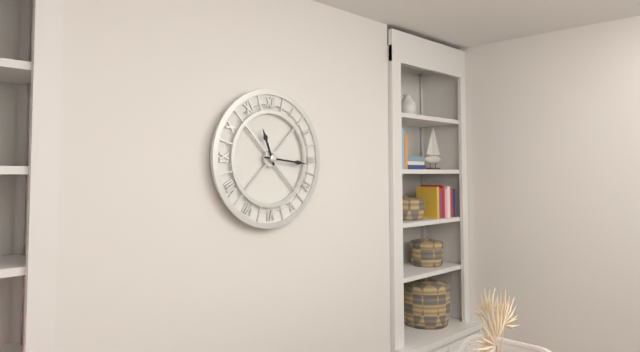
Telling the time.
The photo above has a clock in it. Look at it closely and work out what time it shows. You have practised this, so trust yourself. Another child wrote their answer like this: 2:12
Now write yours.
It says 11:16
